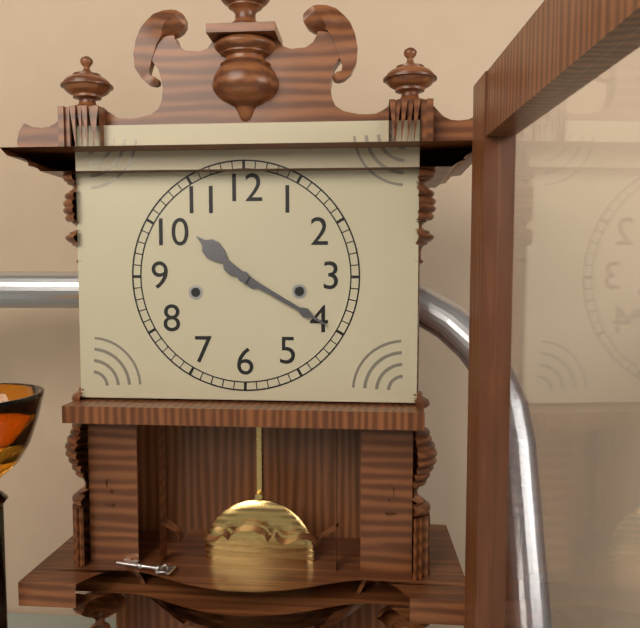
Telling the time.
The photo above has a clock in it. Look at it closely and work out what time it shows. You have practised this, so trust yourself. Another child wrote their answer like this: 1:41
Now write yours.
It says 10:20
